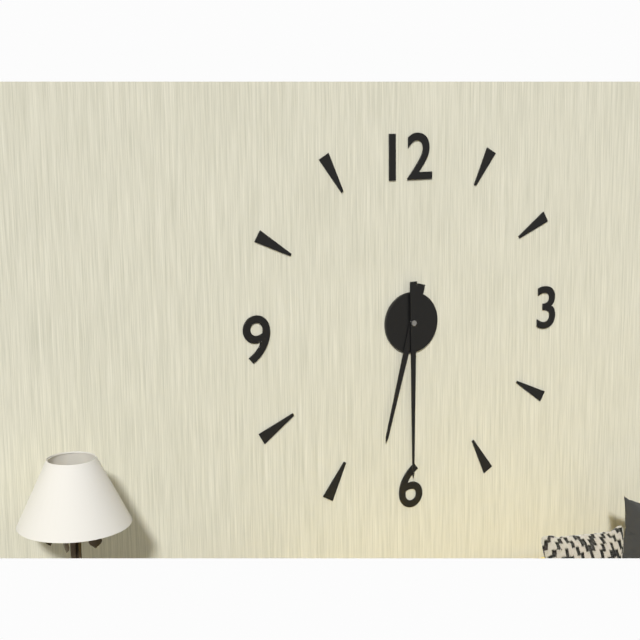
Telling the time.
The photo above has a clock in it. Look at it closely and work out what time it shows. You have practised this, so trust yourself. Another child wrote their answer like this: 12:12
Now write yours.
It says 6:30
